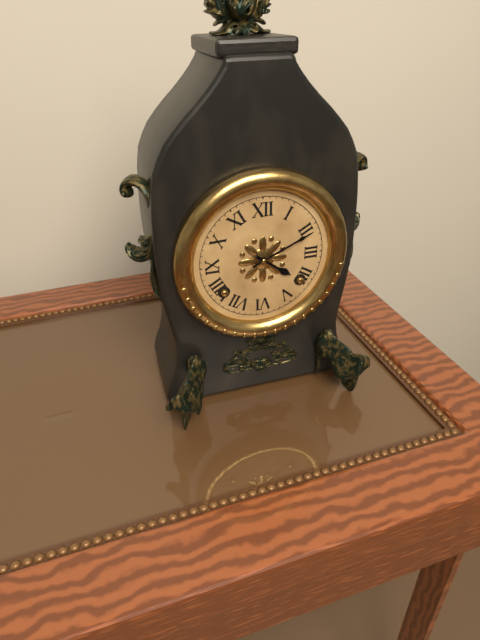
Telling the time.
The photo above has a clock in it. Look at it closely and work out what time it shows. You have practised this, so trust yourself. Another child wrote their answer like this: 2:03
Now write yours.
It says 4:11
